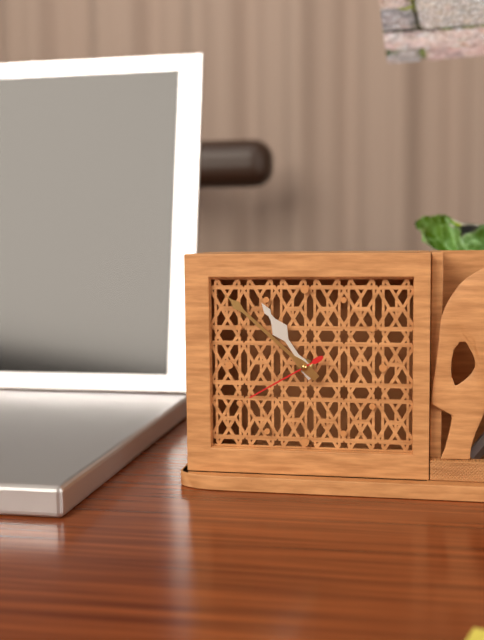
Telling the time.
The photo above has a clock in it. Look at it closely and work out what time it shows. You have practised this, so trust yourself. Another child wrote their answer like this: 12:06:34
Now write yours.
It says 10:52:40
